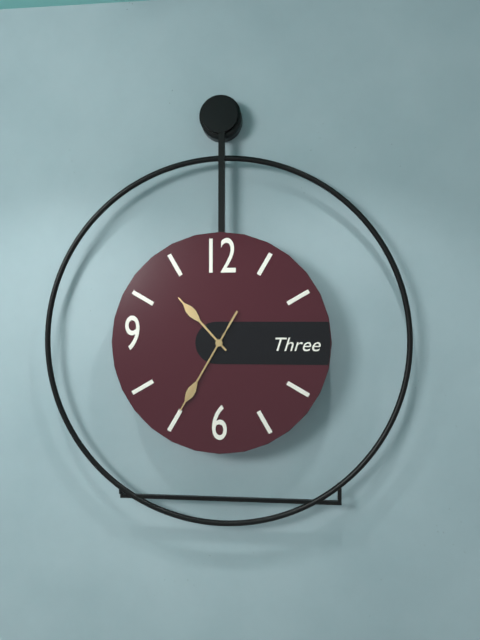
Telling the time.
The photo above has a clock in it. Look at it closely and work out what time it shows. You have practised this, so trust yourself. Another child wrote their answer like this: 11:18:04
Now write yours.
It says 10:35:35
